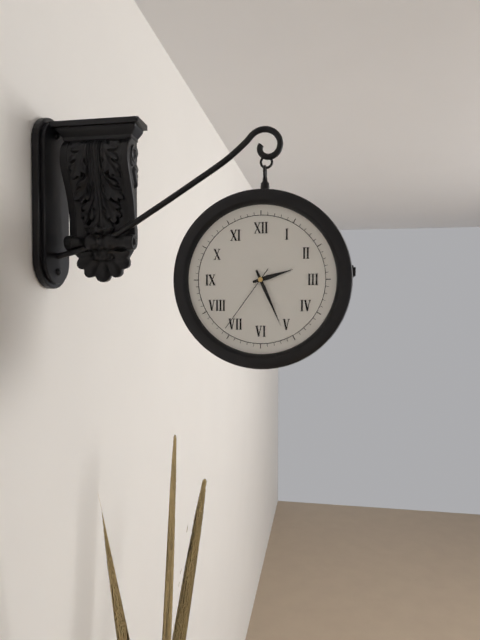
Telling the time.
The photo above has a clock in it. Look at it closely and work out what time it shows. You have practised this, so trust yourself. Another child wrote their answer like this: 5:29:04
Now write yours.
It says 2:26:36
